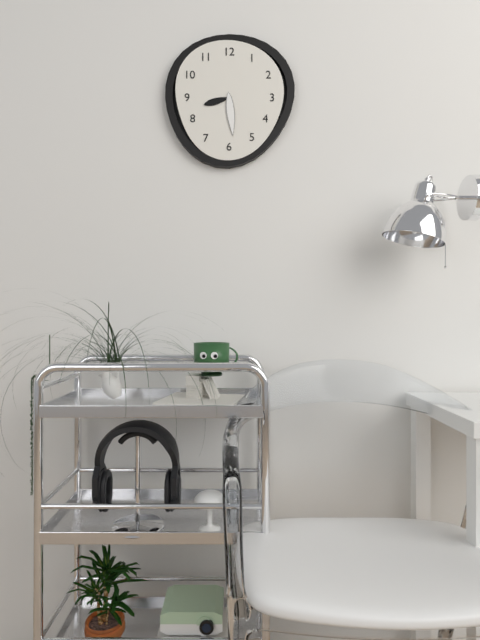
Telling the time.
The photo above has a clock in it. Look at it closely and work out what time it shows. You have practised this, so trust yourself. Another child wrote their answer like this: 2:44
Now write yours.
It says 8:29
